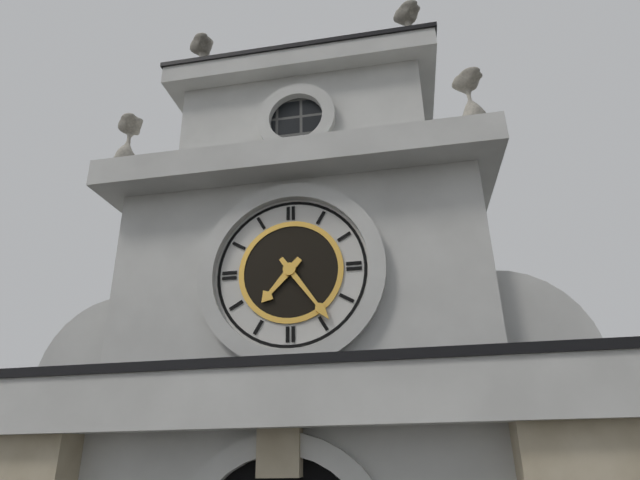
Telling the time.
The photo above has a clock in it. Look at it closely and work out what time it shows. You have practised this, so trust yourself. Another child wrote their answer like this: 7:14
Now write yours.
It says 7:24
